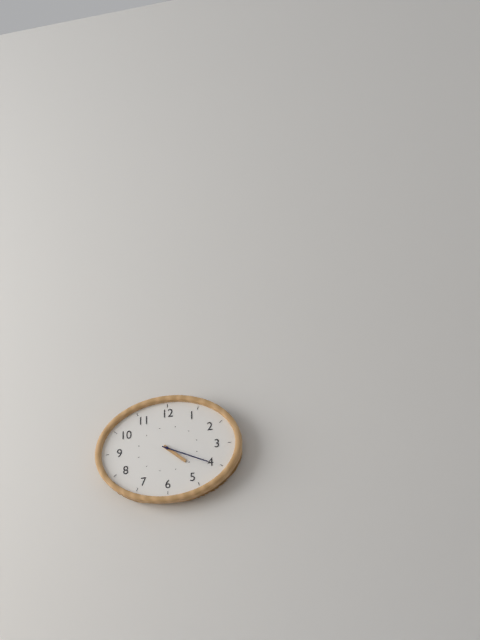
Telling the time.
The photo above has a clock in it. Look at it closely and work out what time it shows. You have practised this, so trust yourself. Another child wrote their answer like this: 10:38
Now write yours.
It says 4:19
